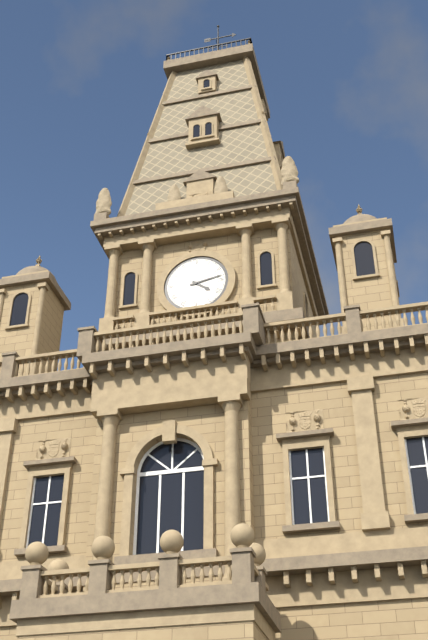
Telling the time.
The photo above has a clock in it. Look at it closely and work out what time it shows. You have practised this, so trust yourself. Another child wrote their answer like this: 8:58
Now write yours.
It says 4:13
